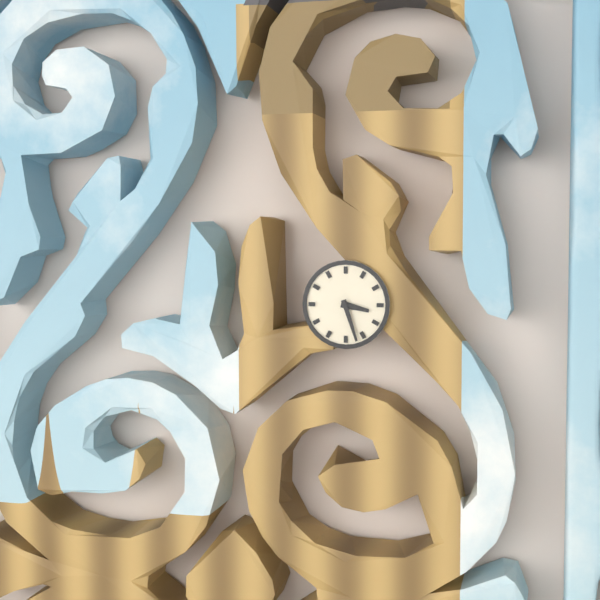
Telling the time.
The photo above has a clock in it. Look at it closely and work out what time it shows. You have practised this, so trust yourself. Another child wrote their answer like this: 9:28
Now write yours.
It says 3:27
